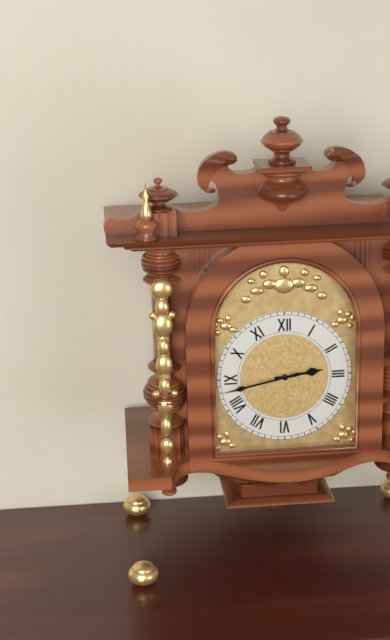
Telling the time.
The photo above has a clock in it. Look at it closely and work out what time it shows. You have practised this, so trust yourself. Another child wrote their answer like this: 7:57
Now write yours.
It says 2:43
